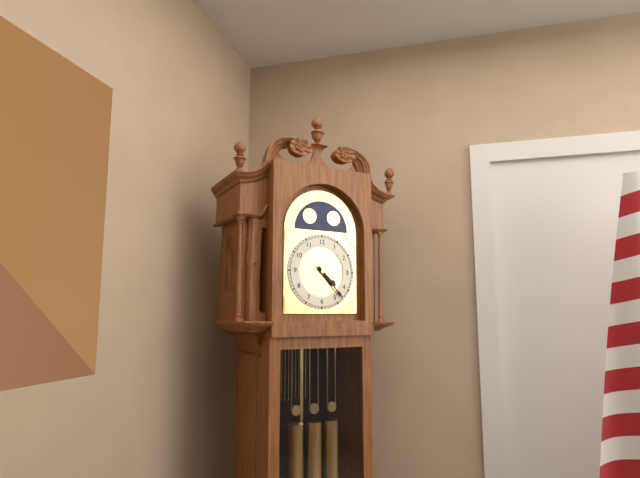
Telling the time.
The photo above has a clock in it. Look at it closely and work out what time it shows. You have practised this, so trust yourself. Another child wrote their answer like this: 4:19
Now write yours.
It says 4:23
